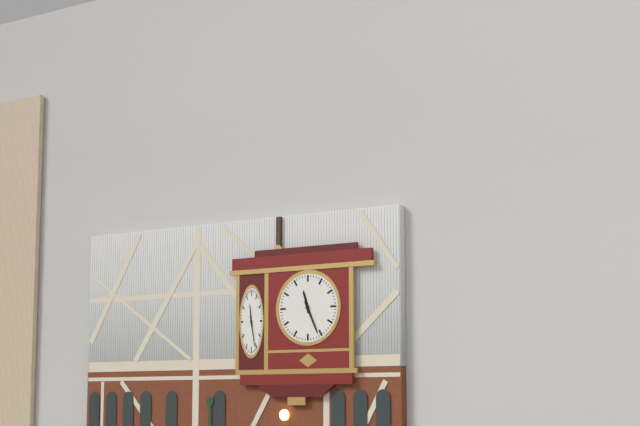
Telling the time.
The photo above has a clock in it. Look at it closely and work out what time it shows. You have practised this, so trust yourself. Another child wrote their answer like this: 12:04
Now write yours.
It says 11:26
